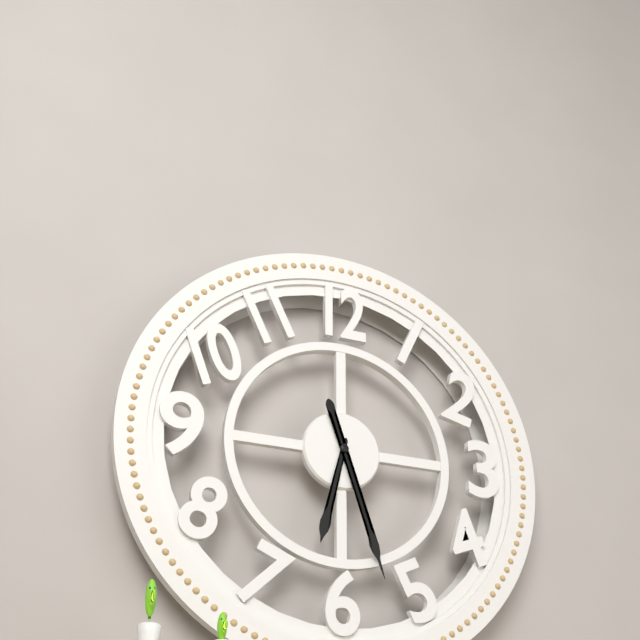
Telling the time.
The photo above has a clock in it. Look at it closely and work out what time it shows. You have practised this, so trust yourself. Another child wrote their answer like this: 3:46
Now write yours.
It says 6:27
